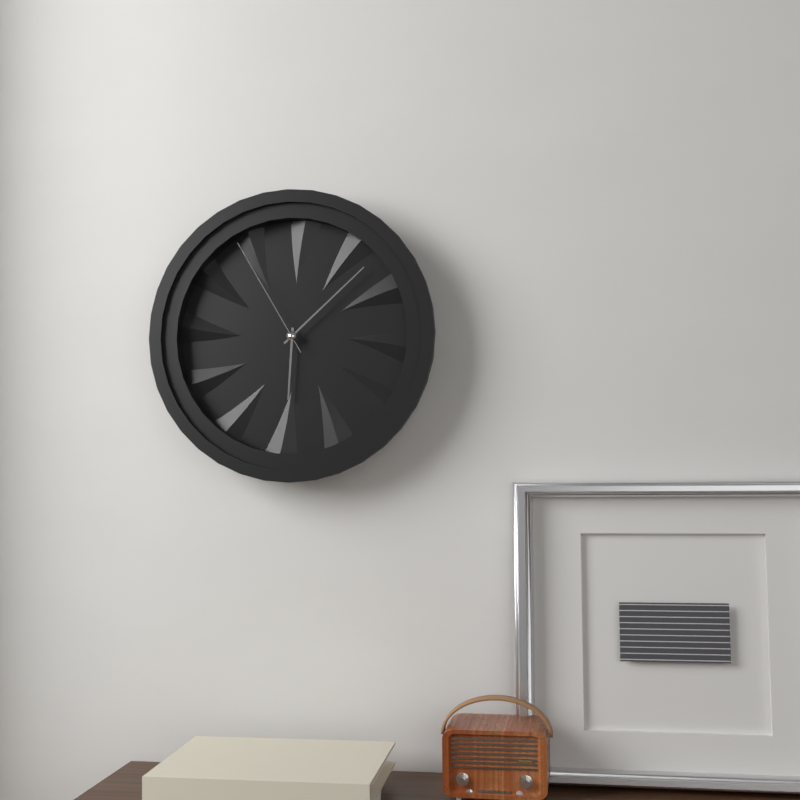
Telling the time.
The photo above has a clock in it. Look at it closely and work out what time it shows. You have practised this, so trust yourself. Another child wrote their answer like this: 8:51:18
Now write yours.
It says 6:08:55
